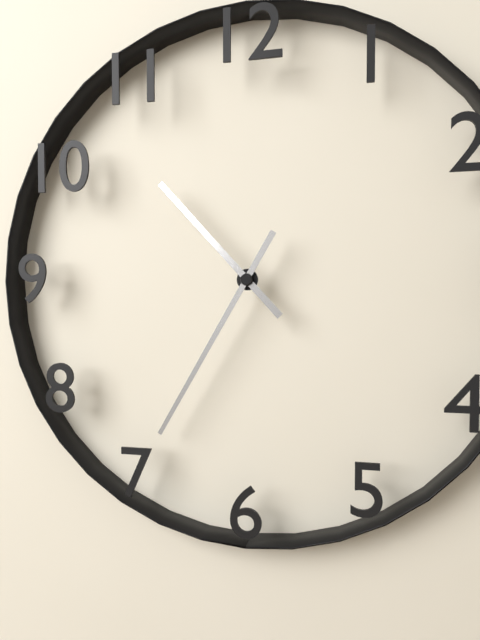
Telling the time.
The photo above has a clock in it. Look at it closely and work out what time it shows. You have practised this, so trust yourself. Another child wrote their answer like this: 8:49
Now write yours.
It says 10:35
